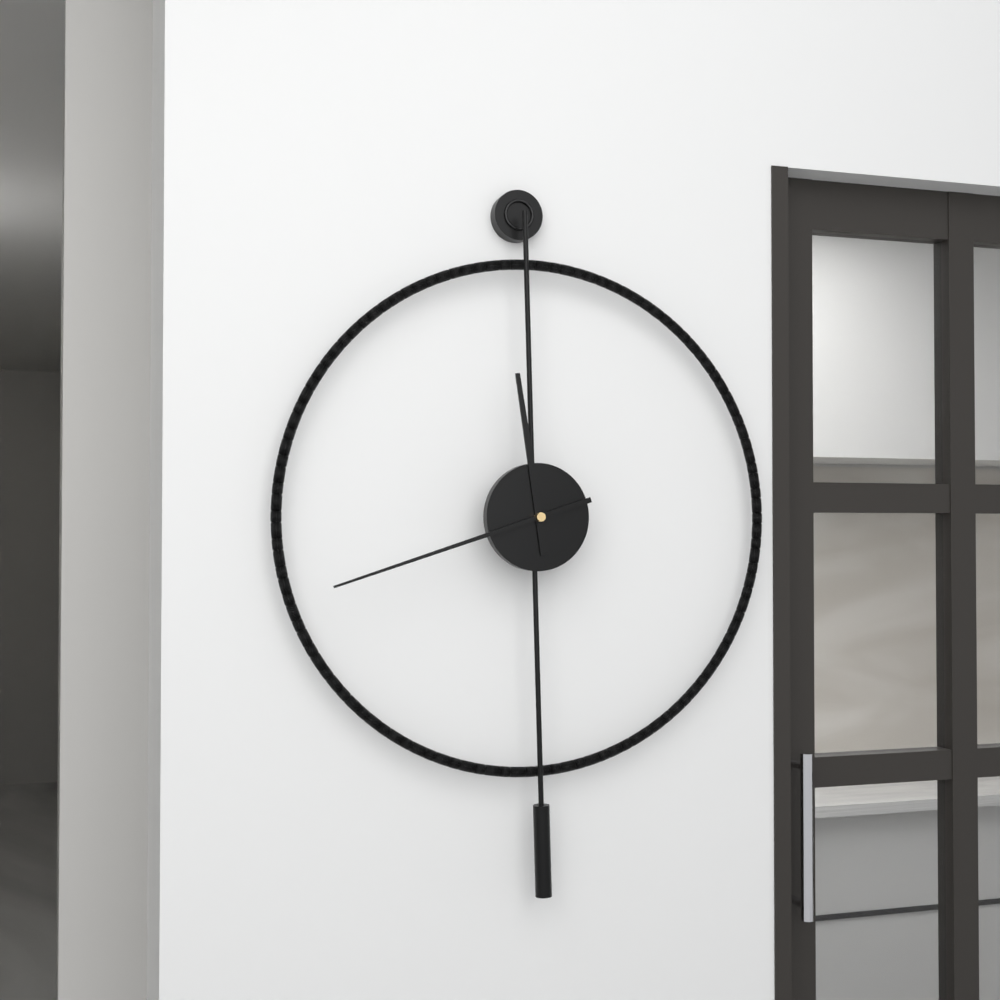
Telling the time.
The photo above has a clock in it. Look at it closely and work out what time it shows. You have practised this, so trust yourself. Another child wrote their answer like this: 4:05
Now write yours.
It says 11:42
